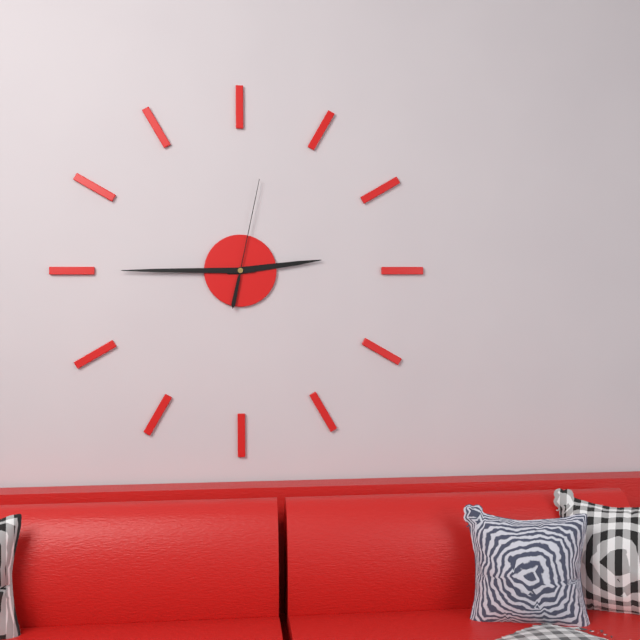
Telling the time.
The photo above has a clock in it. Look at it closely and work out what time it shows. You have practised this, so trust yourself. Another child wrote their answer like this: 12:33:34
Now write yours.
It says 2:45:02
